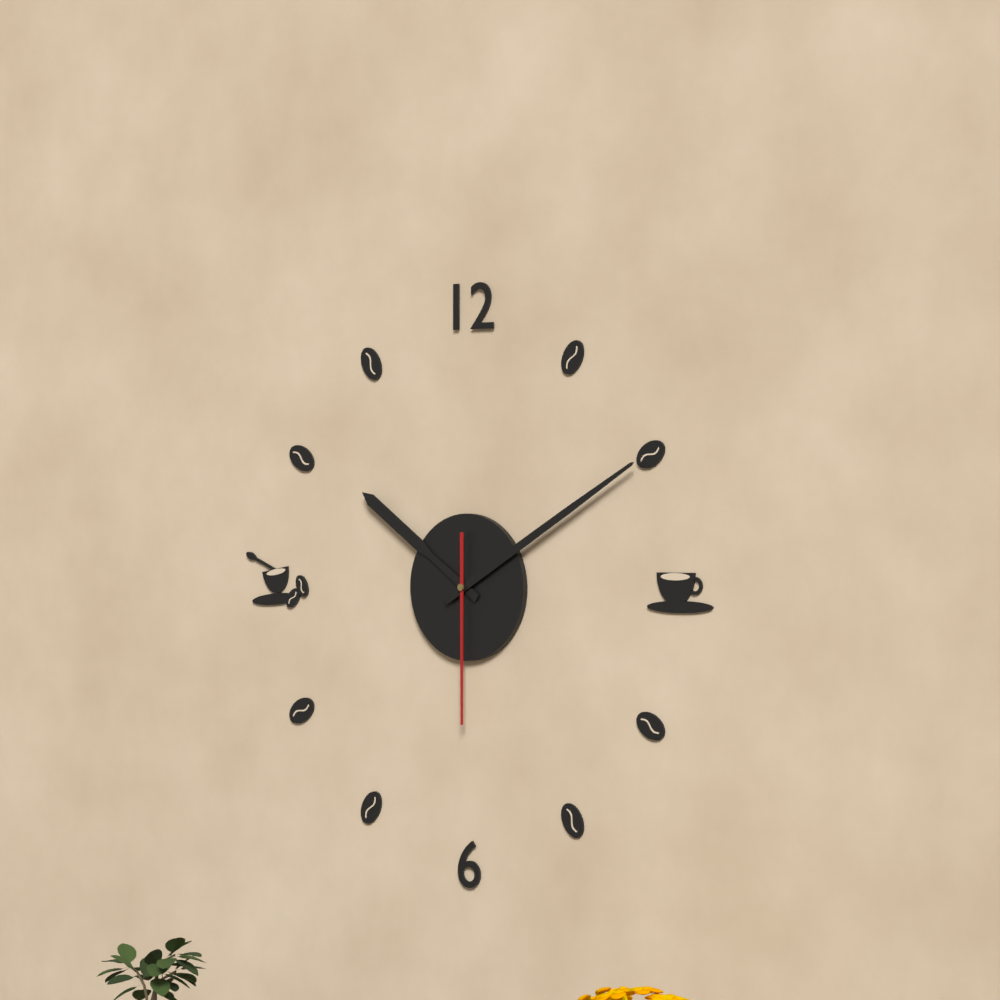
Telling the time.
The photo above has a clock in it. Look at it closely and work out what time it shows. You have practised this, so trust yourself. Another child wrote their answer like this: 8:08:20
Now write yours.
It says 10:10:30
